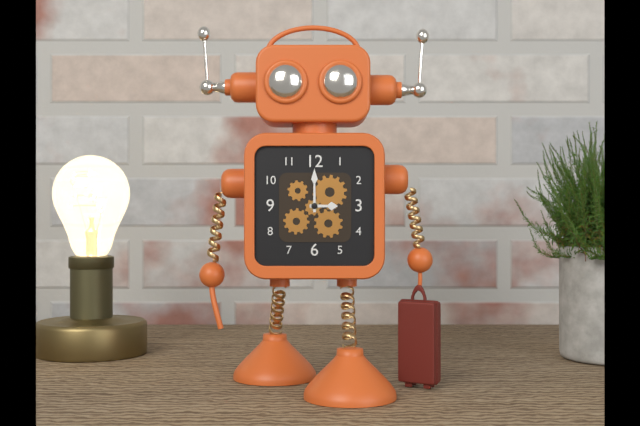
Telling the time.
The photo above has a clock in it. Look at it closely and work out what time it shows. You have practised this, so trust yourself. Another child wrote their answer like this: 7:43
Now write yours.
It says 3:00
